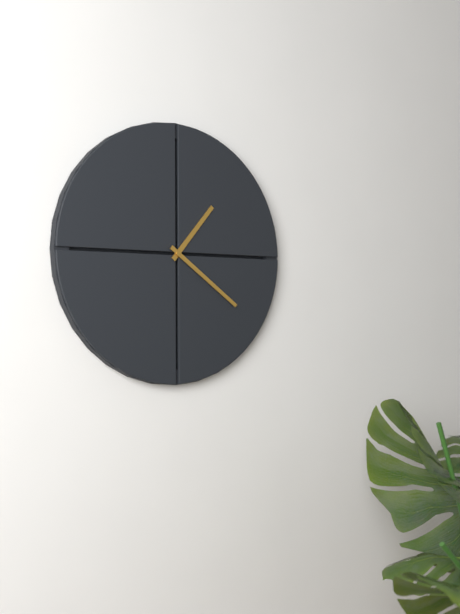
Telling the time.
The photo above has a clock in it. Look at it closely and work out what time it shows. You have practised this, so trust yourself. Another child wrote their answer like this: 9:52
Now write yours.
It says 1:21
